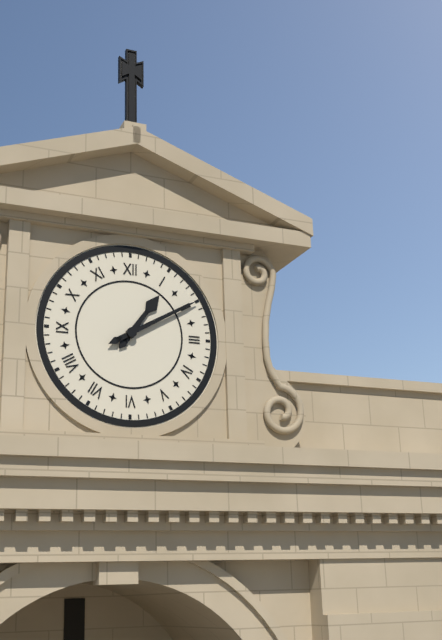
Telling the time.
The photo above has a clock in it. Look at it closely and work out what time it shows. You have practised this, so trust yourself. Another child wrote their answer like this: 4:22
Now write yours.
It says 1:10
